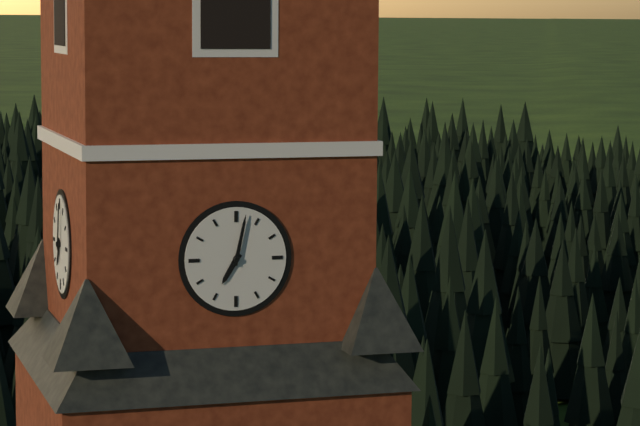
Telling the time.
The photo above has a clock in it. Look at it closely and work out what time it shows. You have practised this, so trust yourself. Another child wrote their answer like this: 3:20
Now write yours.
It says 7:02
